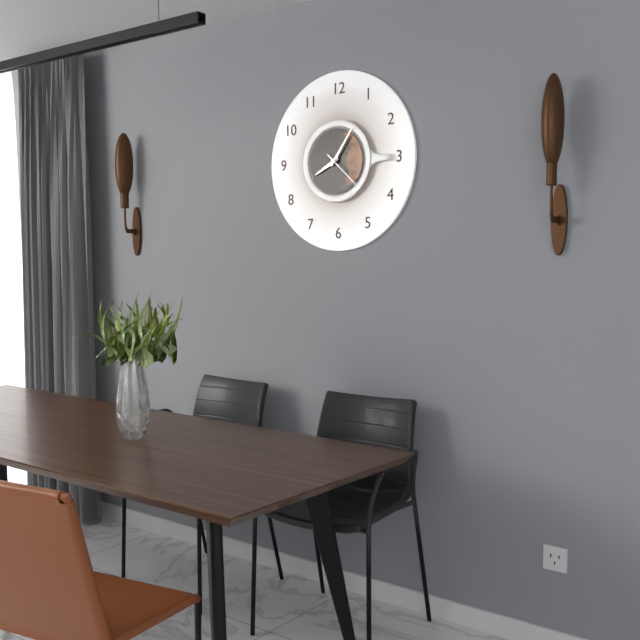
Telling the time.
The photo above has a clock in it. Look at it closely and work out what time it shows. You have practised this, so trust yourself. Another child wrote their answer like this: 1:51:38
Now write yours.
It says 8:06:22
